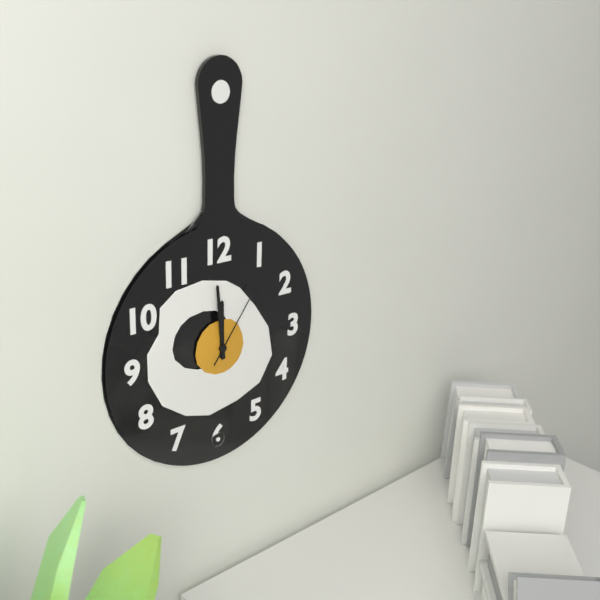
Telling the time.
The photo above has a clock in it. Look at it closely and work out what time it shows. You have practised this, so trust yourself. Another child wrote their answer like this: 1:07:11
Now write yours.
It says 11:59:06
